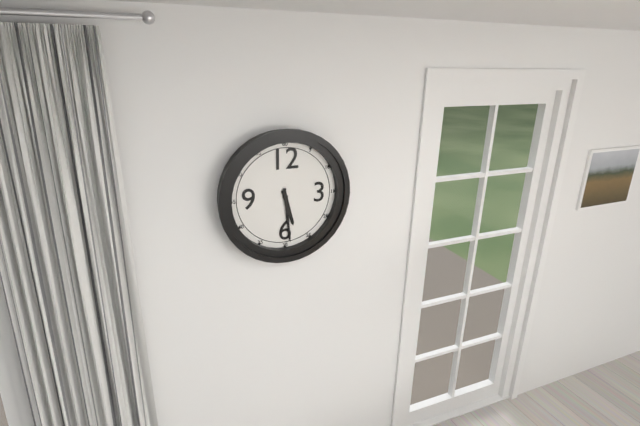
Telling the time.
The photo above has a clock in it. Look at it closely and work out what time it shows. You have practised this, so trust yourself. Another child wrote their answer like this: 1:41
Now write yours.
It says 5:29
